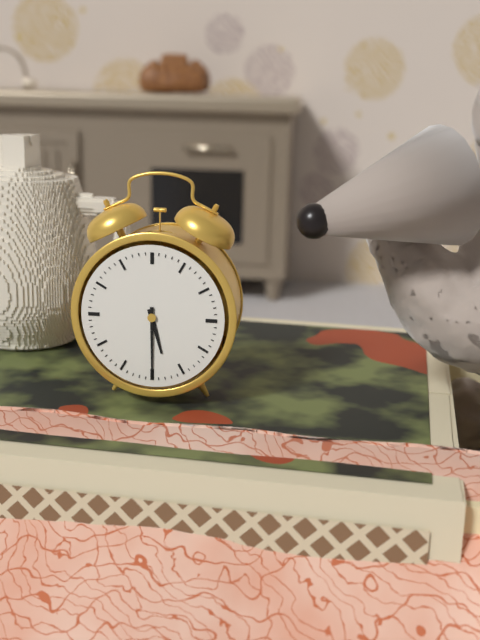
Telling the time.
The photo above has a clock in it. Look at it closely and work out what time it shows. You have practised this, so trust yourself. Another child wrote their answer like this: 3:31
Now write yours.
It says 5:30
